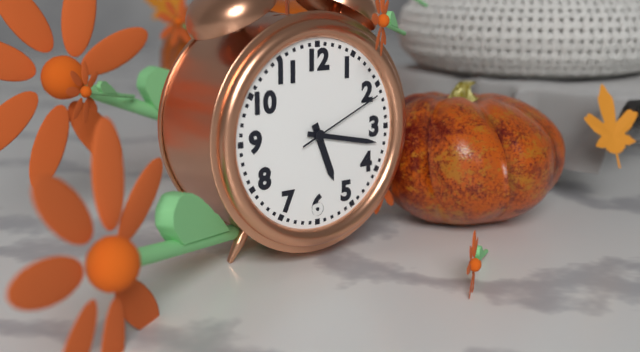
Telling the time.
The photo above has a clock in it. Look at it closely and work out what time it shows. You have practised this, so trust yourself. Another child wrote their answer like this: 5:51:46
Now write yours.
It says 5:17:11
